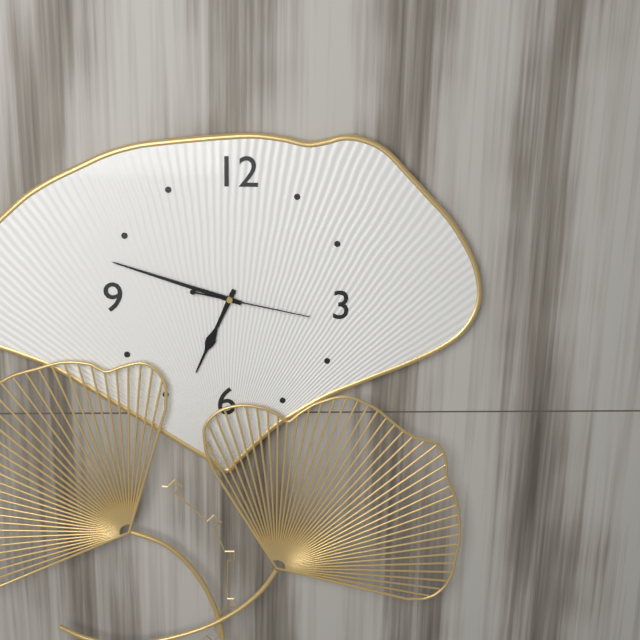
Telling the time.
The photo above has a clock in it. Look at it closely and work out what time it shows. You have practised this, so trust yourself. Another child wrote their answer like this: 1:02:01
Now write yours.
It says 6:48:17
